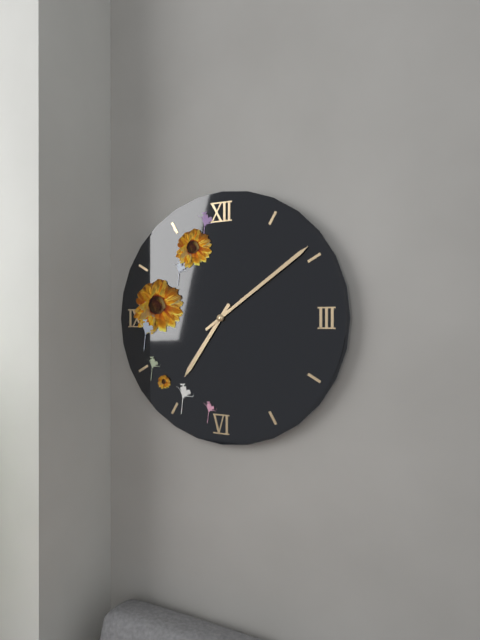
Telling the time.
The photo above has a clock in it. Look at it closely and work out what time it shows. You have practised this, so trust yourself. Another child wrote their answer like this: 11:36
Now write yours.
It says 7:09
